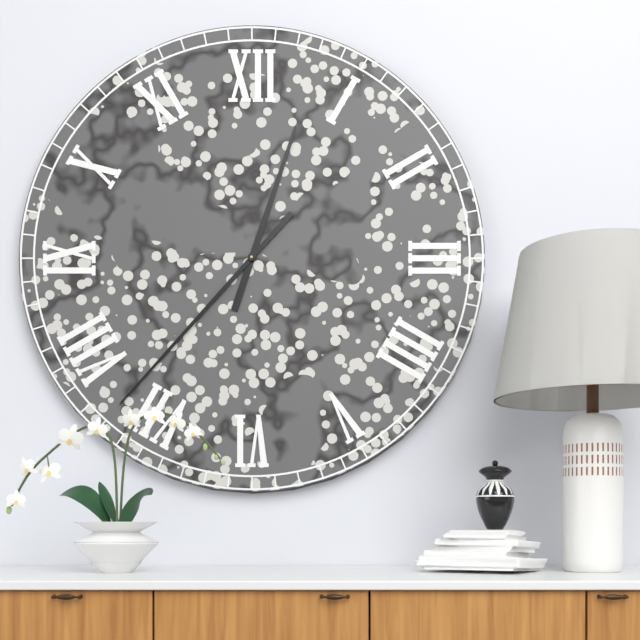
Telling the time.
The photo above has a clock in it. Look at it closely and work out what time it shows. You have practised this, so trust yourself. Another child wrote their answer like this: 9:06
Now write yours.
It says 12:37
